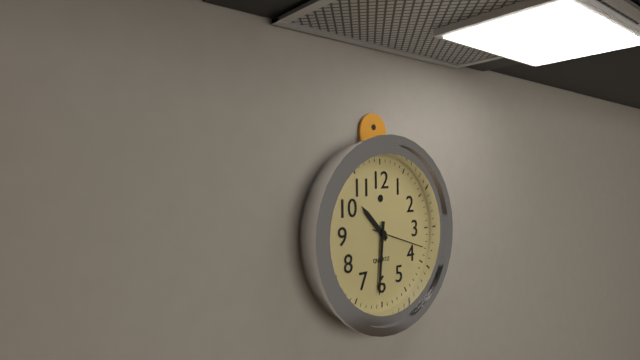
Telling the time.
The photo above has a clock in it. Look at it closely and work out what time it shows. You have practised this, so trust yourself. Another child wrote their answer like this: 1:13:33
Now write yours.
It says 10:31:18
